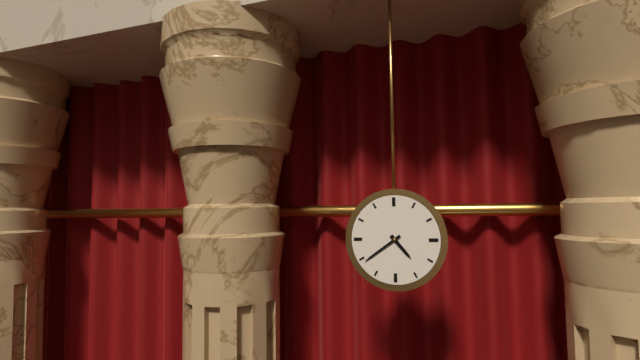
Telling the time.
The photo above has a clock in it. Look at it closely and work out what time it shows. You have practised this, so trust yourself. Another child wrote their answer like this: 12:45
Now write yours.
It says 4:39
